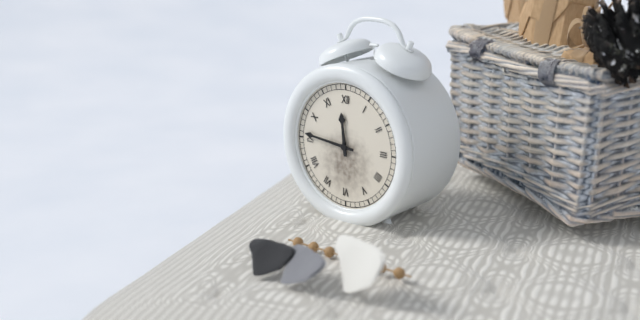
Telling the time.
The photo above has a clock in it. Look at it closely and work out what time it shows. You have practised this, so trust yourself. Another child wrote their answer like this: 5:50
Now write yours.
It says 11:46
